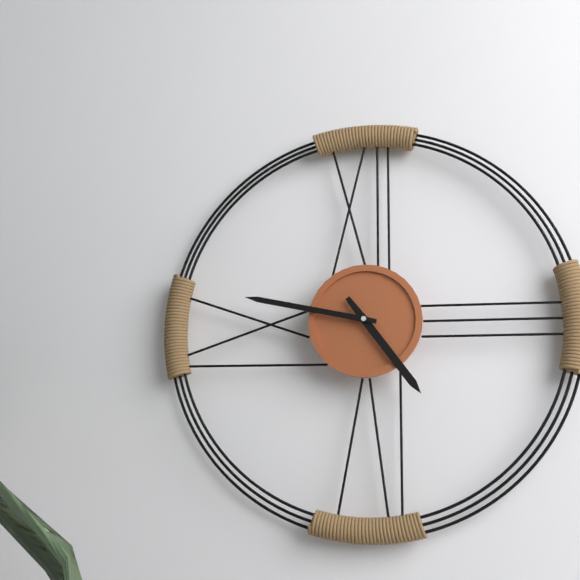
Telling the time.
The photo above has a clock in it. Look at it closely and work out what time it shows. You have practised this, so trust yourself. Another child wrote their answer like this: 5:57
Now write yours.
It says 4:47
